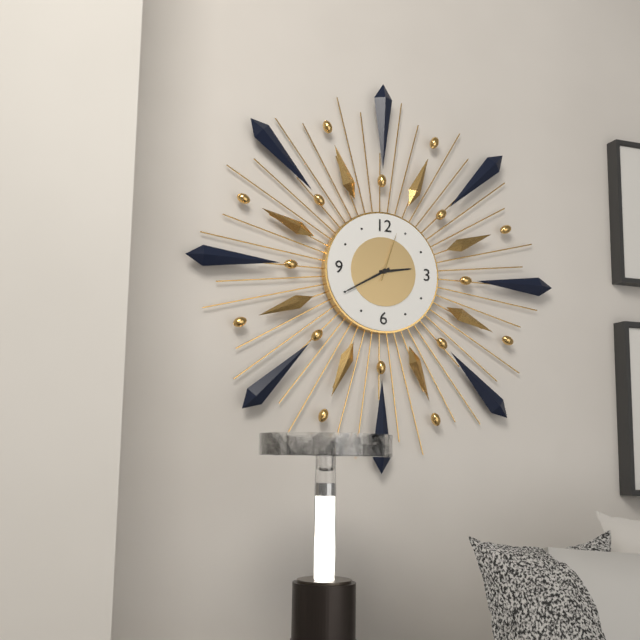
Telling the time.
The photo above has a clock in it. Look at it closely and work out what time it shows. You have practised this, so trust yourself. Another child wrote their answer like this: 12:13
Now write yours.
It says 2:40
